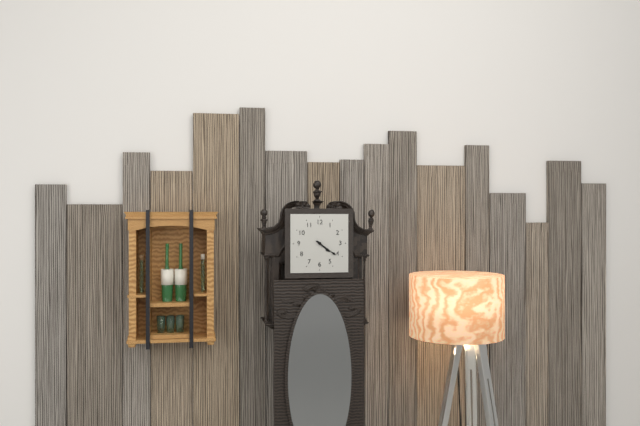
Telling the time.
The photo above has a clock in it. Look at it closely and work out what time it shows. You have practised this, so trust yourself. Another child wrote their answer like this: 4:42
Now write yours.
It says 4:21
